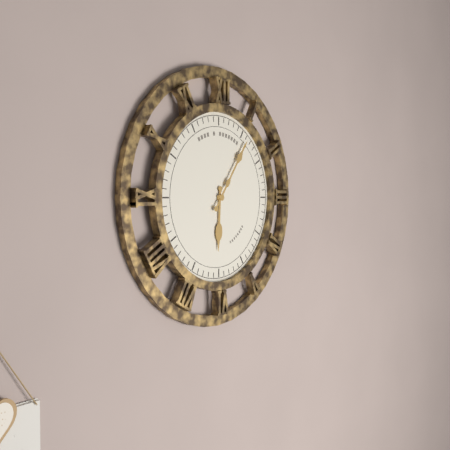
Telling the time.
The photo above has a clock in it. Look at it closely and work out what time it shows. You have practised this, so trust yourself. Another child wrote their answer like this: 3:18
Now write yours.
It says 6:06
